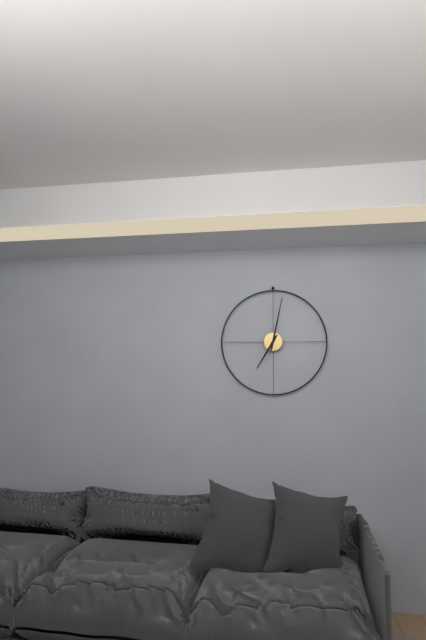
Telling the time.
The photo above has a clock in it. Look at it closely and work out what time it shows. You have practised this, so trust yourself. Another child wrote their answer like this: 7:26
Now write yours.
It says 7:02
